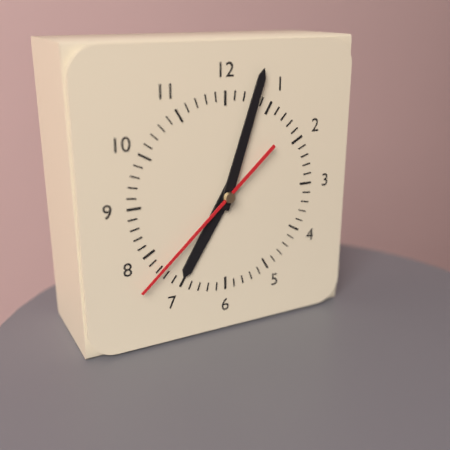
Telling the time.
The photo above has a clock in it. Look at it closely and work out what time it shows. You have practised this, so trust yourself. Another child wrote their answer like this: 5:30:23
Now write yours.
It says 7:03:38
